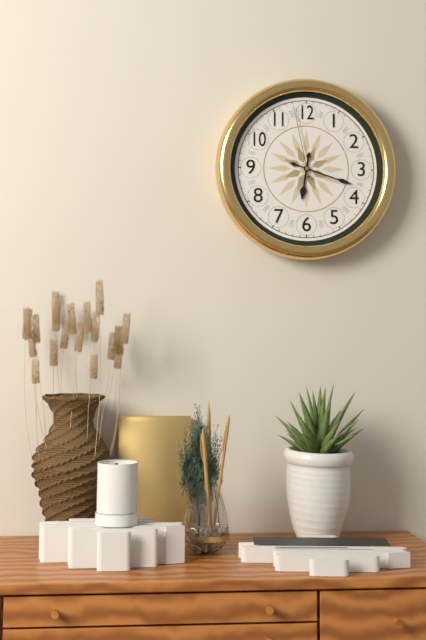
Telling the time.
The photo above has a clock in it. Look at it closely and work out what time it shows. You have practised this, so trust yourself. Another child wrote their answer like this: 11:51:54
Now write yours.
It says 6:18:58
